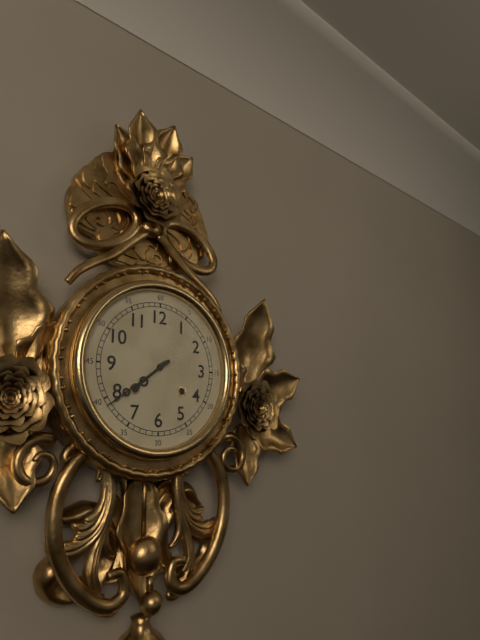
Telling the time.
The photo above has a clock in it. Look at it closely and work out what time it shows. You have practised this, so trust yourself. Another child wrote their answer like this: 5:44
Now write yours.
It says 7:39
